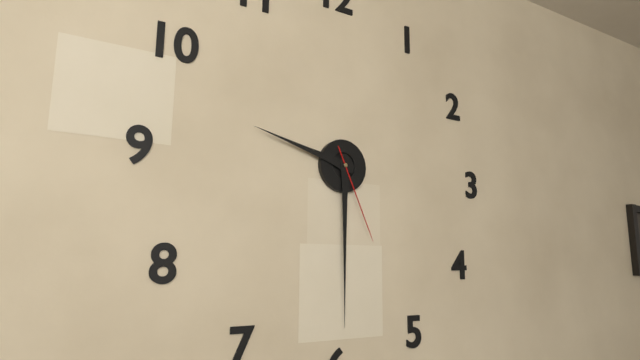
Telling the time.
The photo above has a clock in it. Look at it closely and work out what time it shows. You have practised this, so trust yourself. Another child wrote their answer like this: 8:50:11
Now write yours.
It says 9:30:26
